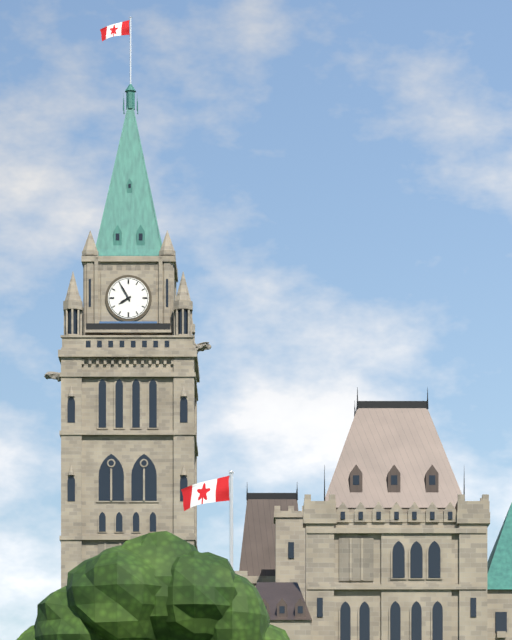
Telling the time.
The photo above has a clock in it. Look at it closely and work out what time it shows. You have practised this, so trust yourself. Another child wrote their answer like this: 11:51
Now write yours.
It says 7:55
